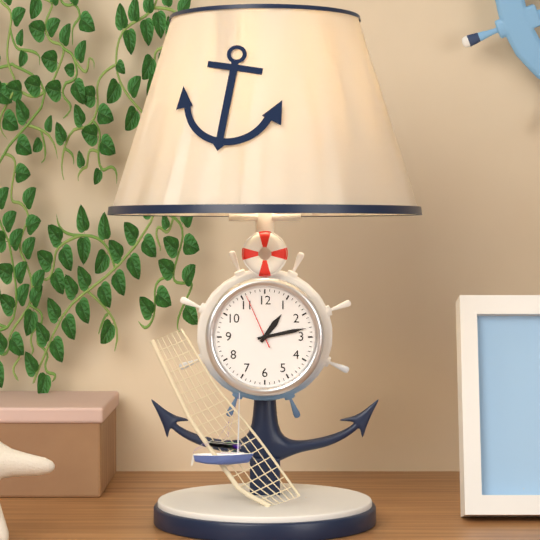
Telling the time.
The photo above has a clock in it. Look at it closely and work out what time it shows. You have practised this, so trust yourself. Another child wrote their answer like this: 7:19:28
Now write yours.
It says 1:13:56
